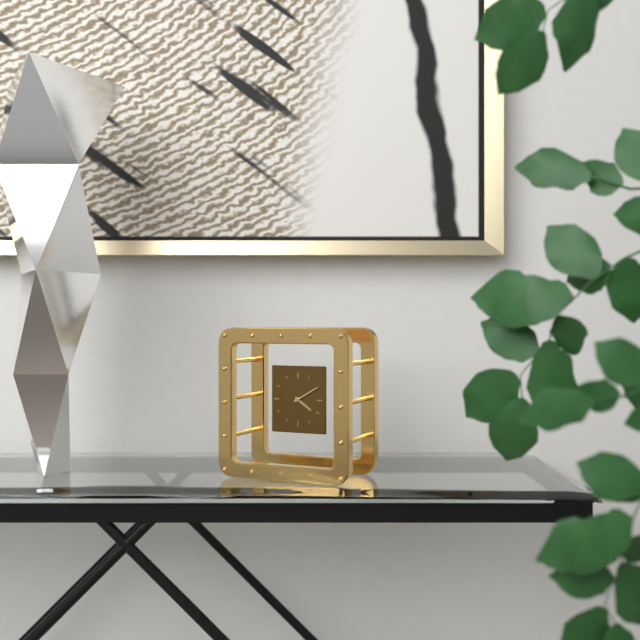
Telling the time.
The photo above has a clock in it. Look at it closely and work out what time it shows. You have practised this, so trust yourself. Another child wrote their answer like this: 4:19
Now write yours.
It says 4:10
